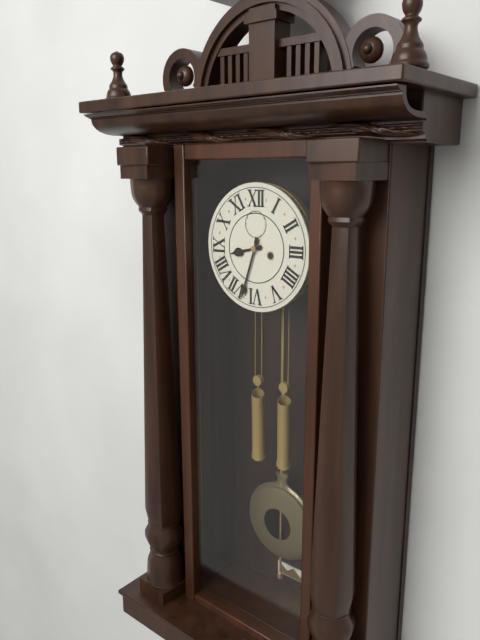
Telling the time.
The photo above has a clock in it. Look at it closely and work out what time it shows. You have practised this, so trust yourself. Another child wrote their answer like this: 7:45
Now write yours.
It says 8:33
